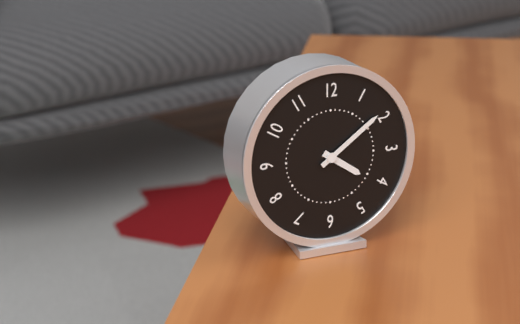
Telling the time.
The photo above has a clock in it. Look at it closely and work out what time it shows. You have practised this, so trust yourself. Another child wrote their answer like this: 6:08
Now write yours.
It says 4:09
